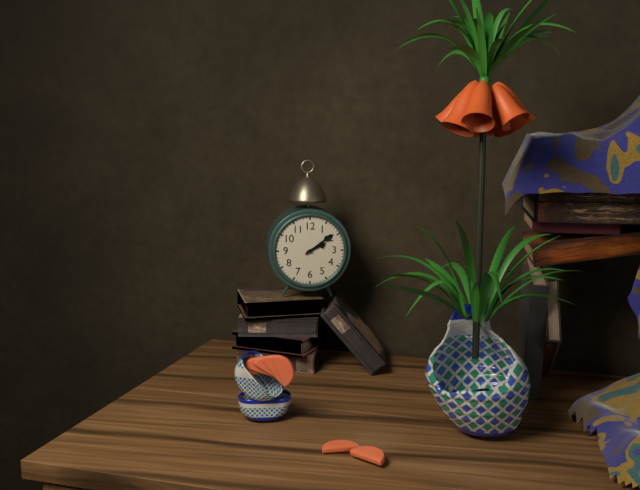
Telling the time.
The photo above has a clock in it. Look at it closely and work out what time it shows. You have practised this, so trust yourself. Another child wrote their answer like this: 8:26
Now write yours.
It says 2:09
